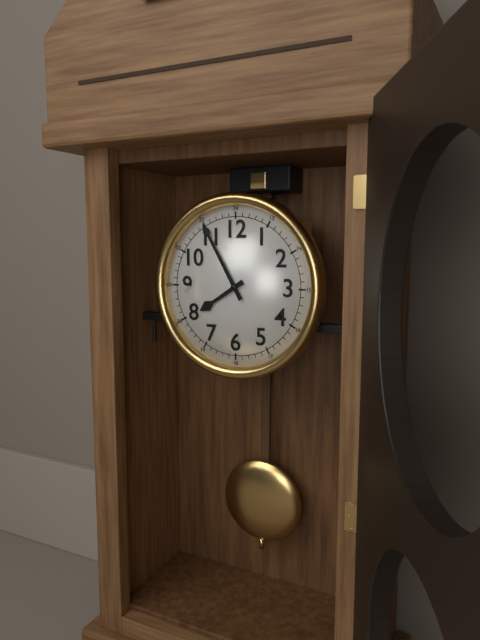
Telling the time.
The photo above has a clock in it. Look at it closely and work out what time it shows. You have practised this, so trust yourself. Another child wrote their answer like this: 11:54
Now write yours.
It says 7:55
